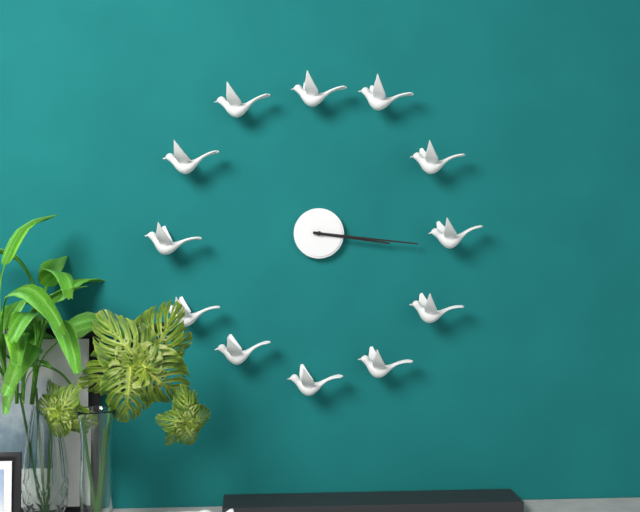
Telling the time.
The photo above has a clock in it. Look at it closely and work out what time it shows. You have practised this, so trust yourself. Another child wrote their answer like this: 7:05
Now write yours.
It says 3:16
